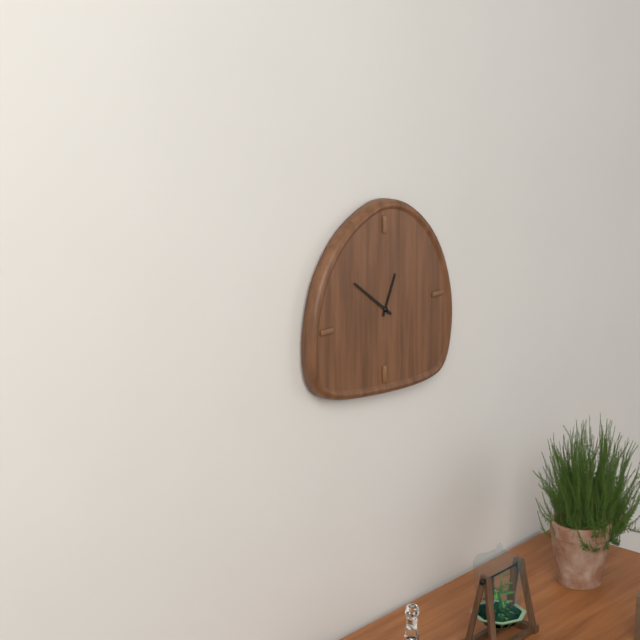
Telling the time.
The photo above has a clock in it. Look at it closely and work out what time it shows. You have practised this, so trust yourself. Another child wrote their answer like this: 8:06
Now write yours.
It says 12:51
